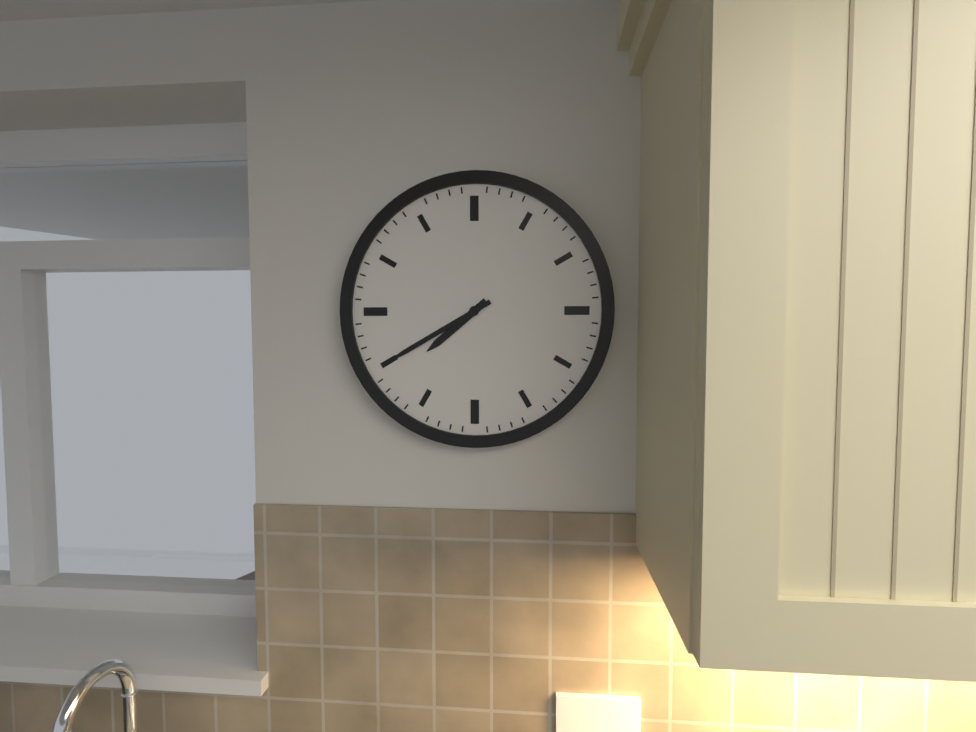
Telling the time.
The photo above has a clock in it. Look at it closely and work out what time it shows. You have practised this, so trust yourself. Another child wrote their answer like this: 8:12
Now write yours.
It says 7:40
